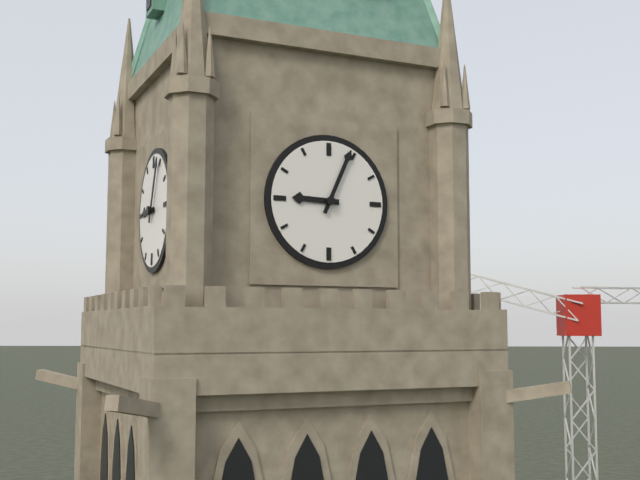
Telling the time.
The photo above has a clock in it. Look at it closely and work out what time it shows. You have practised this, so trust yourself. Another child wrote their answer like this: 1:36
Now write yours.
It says 9:04
